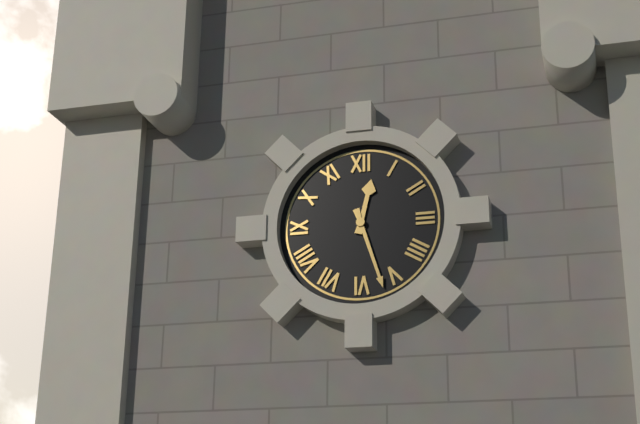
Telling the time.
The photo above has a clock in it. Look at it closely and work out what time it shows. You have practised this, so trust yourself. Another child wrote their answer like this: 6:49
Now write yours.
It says 12:27
